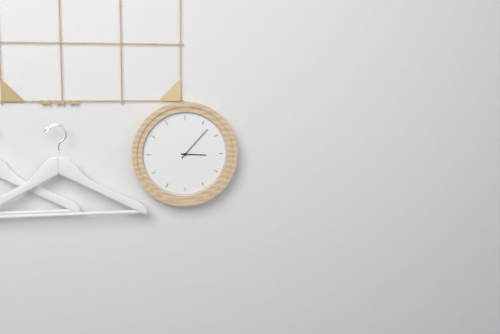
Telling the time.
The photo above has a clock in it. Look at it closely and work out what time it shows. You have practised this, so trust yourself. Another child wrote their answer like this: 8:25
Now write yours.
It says 3:07
